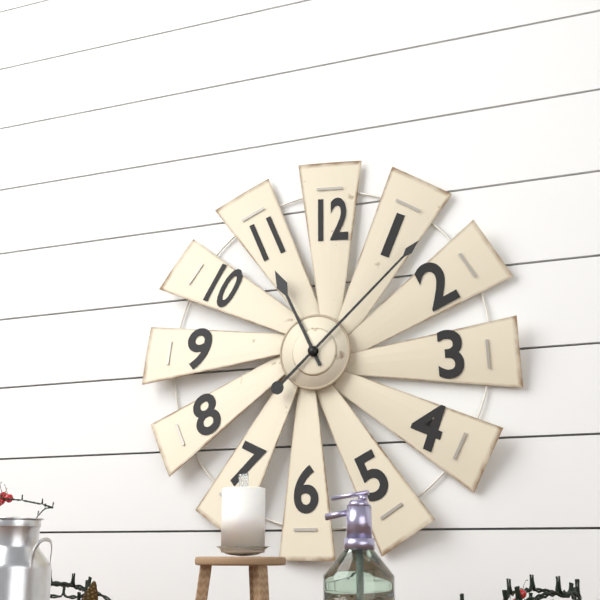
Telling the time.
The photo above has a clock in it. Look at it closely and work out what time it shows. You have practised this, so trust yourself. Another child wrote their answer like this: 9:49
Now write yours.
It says 11:08
